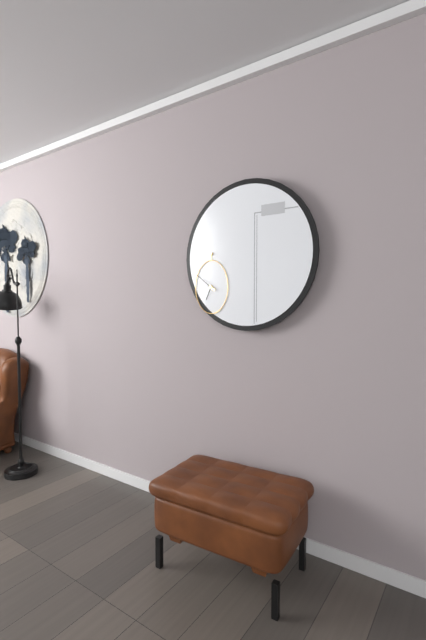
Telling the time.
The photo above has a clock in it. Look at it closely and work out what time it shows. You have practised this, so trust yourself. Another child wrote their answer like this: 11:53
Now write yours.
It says 6:51
